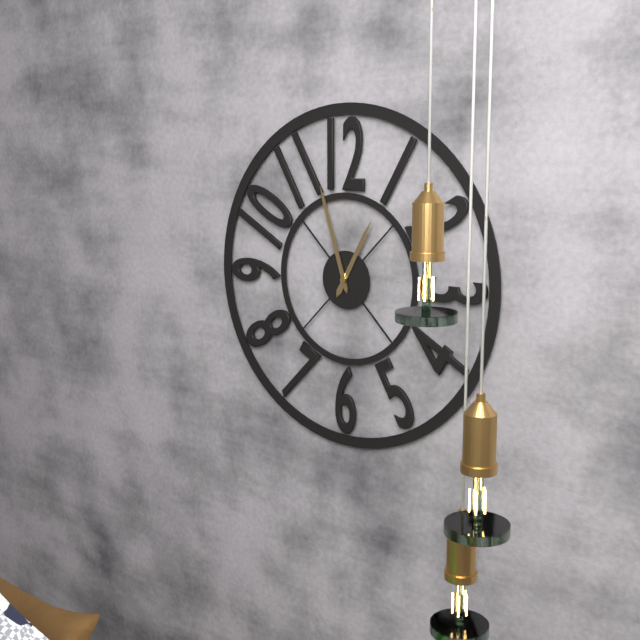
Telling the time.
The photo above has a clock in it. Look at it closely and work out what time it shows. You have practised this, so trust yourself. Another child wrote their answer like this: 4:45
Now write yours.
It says 12:57
